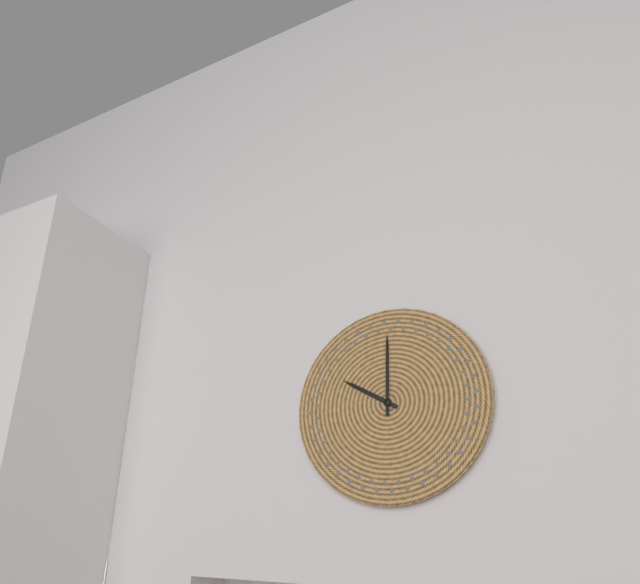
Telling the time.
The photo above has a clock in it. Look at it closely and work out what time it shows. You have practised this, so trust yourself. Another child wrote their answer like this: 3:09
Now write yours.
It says 10:00
